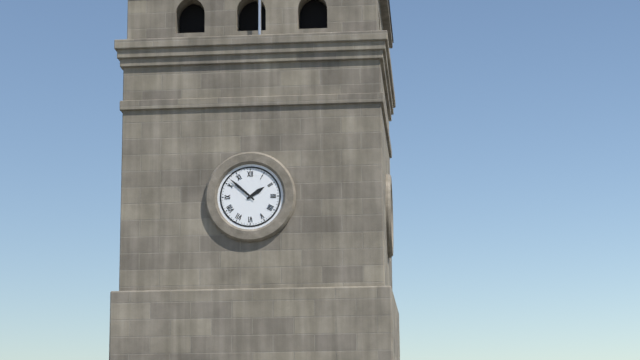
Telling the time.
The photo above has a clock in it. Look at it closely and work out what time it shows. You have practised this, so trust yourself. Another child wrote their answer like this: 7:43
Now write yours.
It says 1:52
